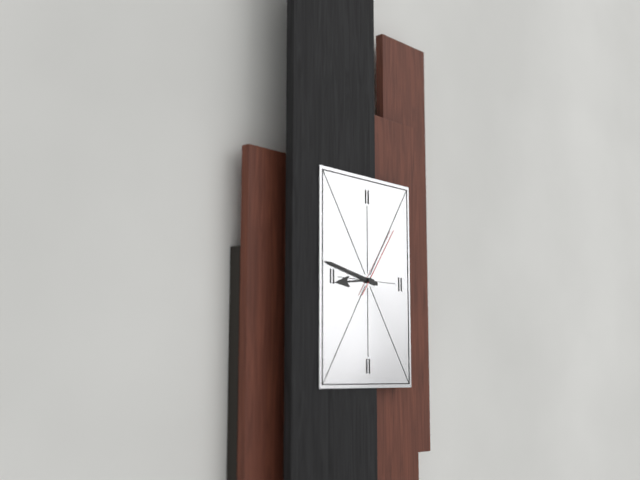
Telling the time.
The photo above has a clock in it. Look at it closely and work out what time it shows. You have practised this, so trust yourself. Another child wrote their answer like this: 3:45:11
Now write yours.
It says 8:47:06
